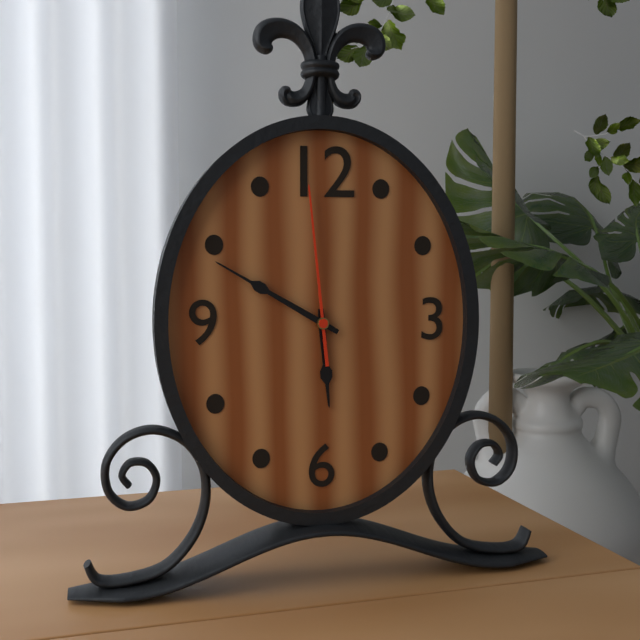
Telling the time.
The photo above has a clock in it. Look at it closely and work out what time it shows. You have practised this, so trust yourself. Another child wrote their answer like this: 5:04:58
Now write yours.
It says 5:50:59
